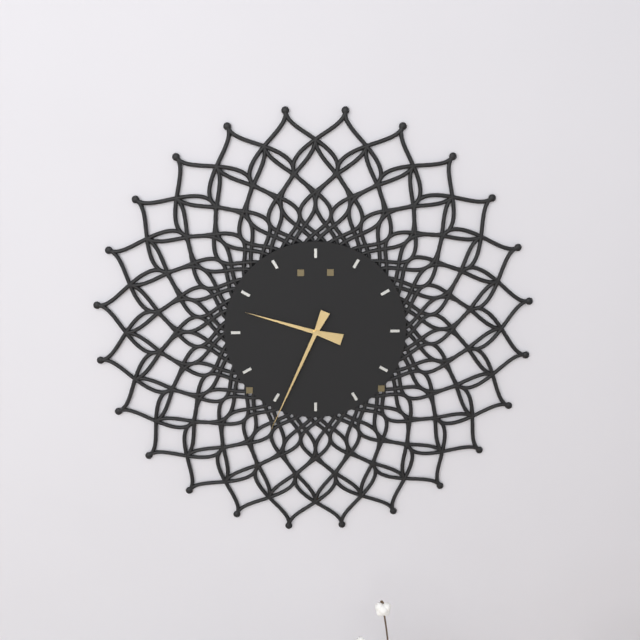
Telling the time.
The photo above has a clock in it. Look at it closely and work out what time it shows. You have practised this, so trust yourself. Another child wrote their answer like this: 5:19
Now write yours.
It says 9:34
